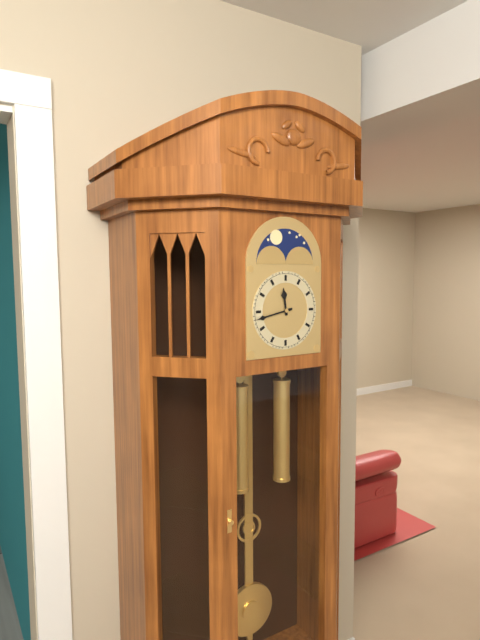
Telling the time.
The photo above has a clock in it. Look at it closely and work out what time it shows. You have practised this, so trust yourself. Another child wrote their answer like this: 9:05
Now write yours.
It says 11:43
